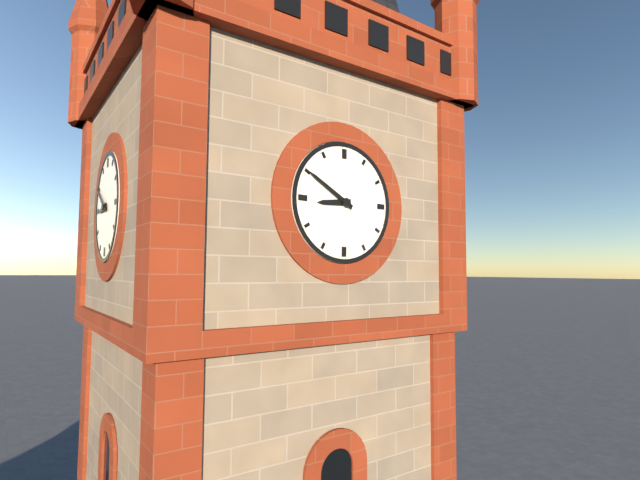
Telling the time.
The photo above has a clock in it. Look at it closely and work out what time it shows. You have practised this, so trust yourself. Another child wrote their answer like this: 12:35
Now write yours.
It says 8:50
